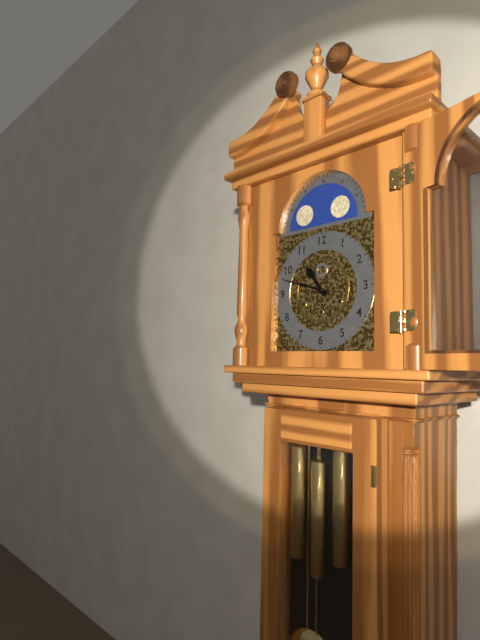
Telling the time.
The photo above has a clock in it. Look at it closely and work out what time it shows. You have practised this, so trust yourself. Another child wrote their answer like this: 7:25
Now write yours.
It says 10:48
